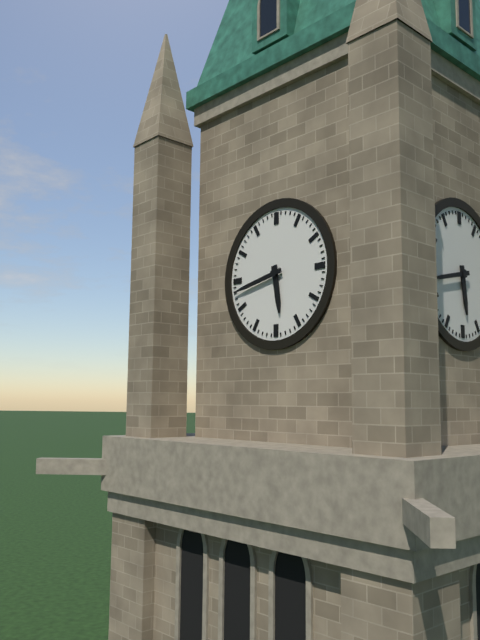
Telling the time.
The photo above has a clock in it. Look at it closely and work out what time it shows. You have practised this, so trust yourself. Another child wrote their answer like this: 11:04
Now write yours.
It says 5:43
